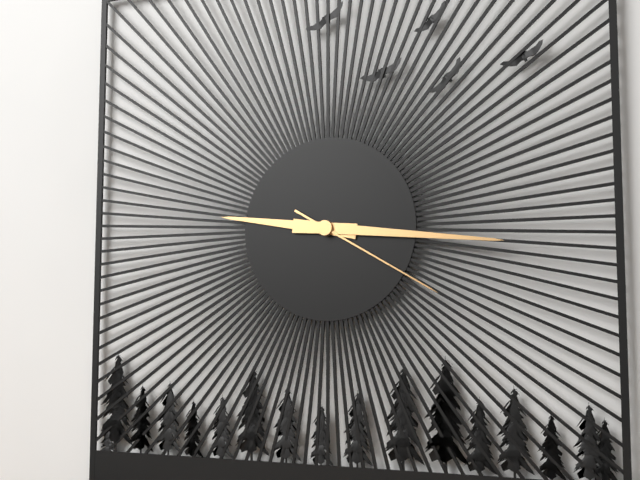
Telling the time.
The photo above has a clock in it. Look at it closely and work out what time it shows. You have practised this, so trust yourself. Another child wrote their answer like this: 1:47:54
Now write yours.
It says 9:16:20
